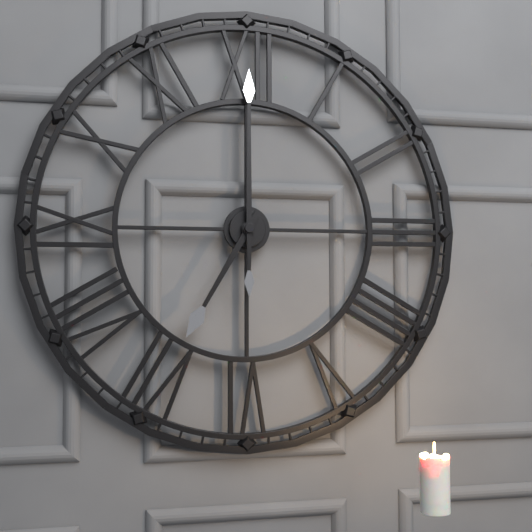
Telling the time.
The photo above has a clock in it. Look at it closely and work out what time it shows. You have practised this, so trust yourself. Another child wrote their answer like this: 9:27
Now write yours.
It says 7:00
